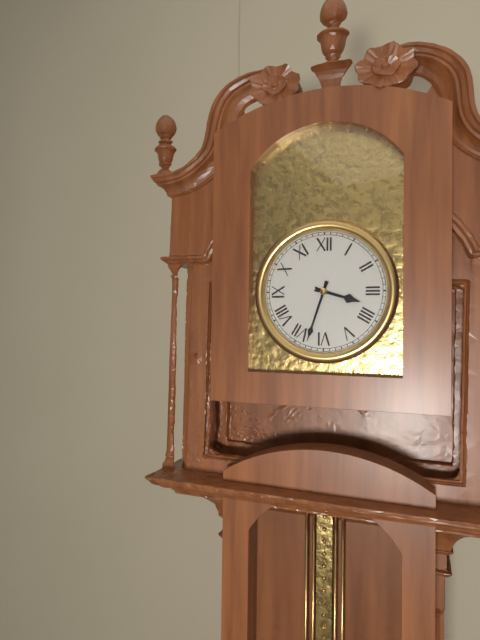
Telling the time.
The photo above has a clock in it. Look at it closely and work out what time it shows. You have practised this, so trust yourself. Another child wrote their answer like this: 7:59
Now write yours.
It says 3:33
